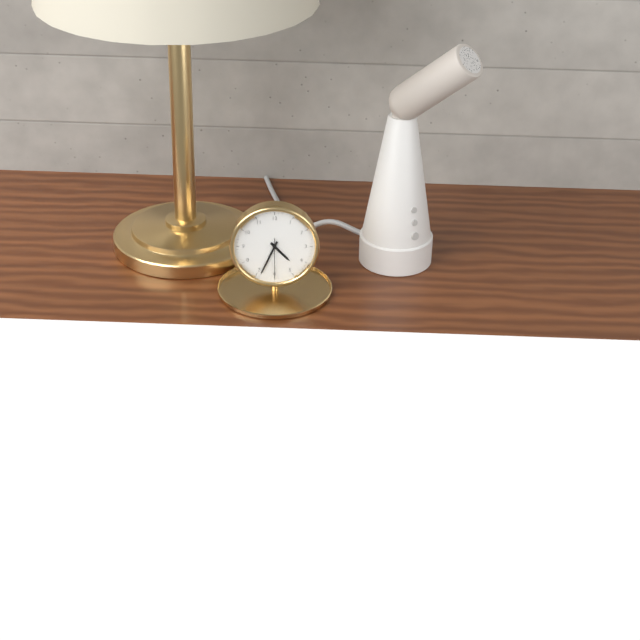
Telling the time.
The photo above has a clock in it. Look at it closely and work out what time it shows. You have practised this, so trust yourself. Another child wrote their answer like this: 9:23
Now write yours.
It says 4:34
